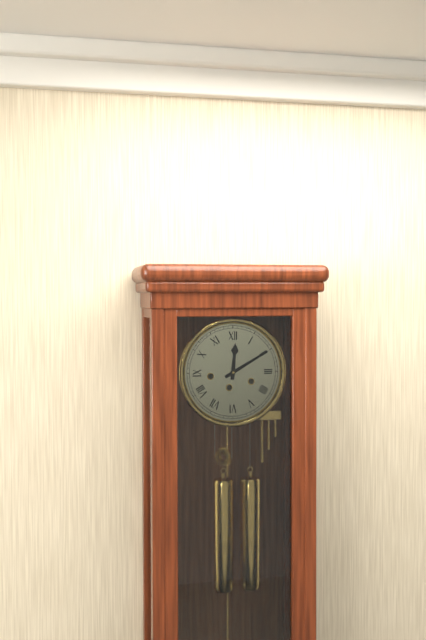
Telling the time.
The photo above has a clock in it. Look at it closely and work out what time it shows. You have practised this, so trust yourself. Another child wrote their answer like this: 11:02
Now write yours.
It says 12:10
